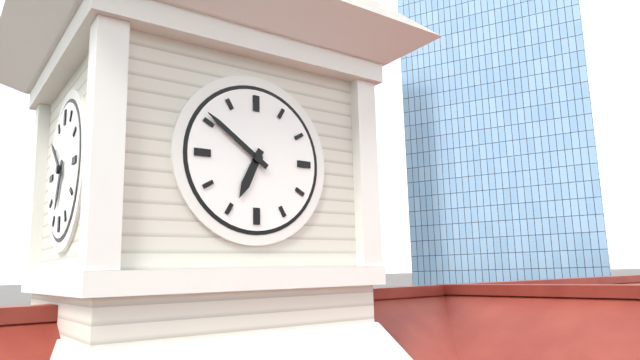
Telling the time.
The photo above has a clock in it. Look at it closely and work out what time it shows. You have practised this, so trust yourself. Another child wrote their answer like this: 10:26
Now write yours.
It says 6:51
